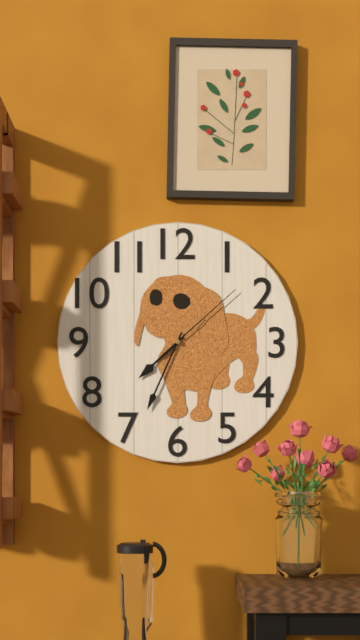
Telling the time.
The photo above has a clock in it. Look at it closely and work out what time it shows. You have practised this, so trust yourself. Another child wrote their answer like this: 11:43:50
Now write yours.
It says 7:34:08
